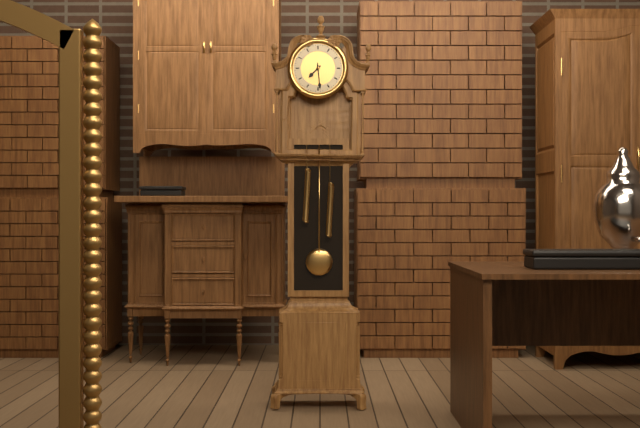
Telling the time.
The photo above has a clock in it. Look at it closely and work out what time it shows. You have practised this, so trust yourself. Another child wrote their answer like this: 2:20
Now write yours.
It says 7:29
